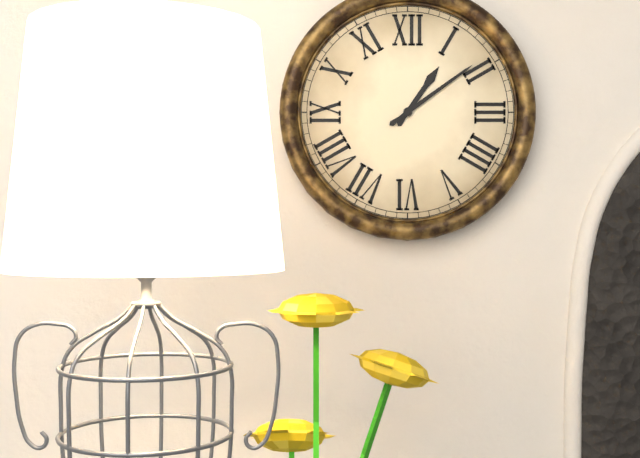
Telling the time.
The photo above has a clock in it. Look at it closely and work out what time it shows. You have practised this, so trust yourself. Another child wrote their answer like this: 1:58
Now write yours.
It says 1:09
